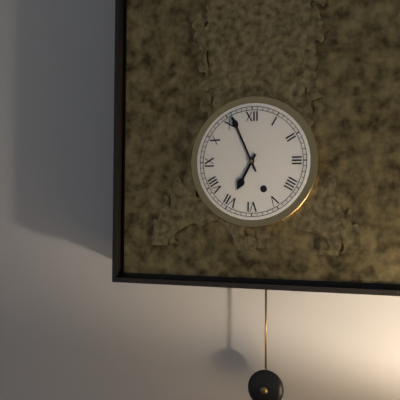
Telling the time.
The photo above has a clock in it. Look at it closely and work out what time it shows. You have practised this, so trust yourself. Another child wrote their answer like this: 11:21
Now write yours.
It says 6:56
